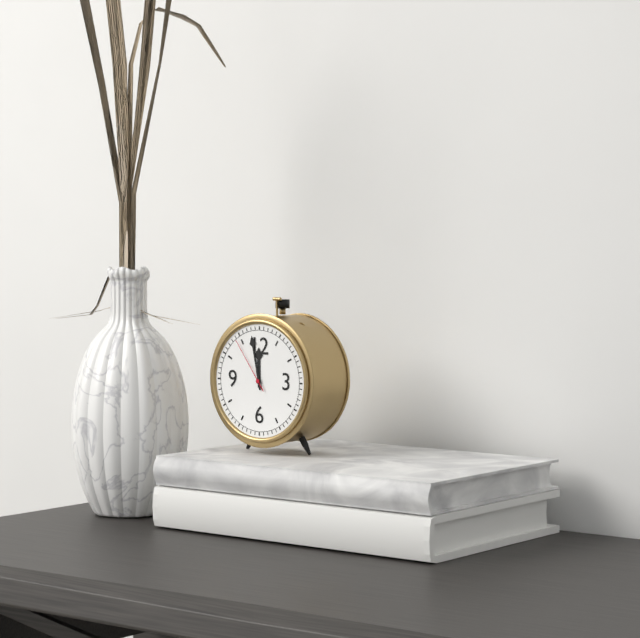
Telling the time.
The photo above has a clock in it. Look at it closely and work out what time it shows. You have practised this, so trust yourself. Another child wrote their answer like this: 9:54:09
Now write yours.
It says 11:58:54
